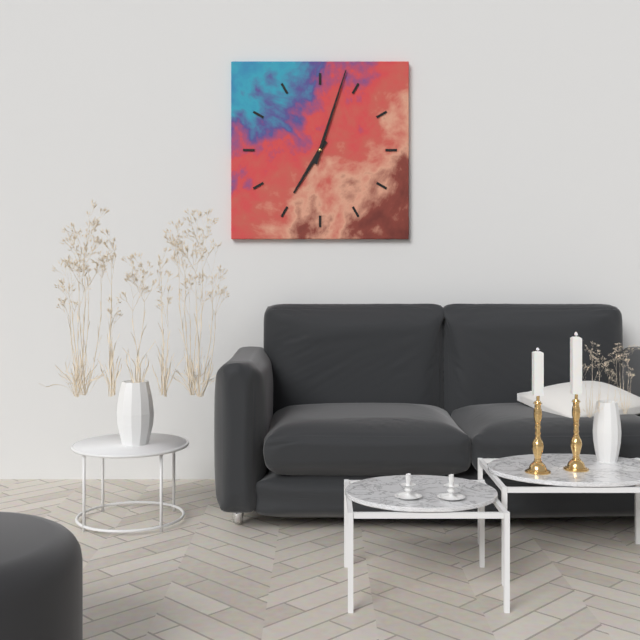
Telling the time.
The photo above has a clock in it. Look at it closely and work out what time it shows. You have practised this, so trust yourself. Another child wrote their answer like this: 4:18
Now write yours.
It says 7:03
